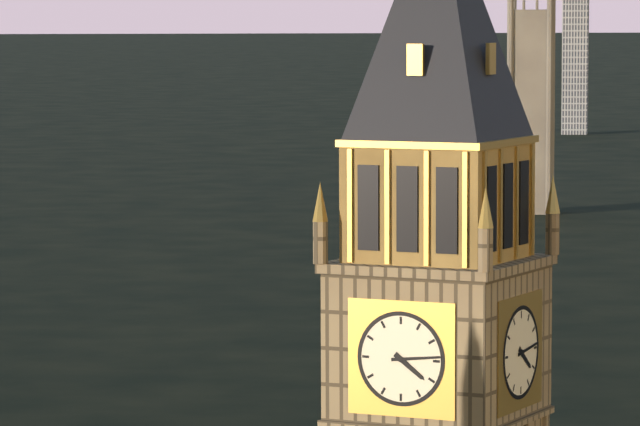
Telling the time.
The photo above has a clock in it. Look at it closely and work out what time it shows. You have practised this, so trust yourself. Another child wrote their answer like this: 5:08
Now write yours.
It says 4:14
